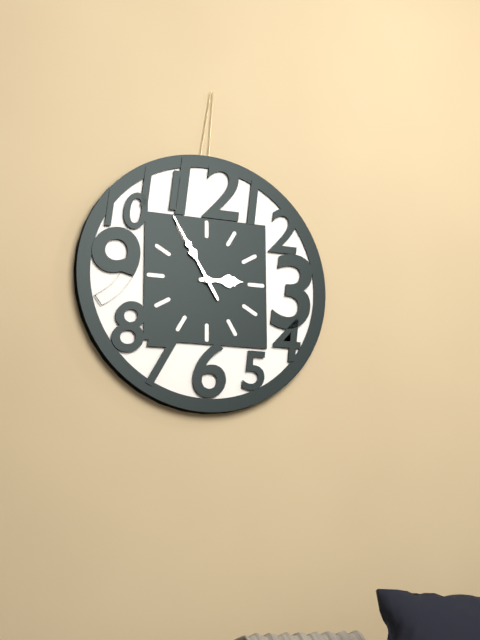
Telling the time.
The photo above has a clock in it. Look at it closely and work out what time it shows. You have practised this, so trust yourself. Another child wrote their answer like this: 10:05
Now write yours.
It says 2:55
